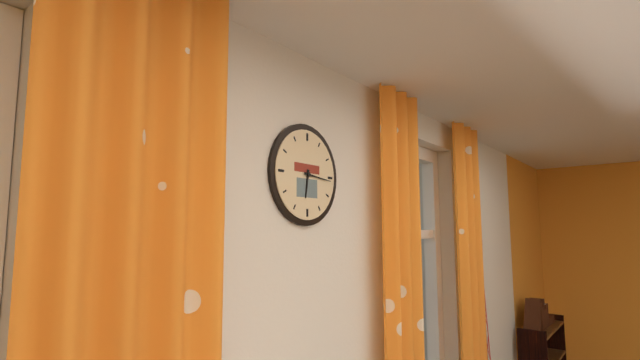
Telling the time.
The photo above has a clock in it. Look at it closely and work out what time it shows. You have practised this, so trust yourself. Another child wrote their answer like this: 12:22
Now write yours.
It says 6:16
